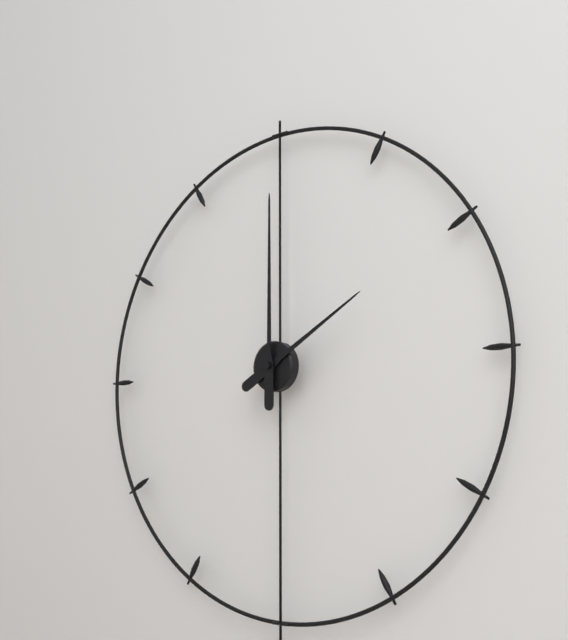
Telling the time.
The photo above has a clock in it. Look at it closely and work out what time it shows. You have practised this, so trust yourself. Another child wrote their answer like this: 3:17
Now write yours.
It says 2:00
